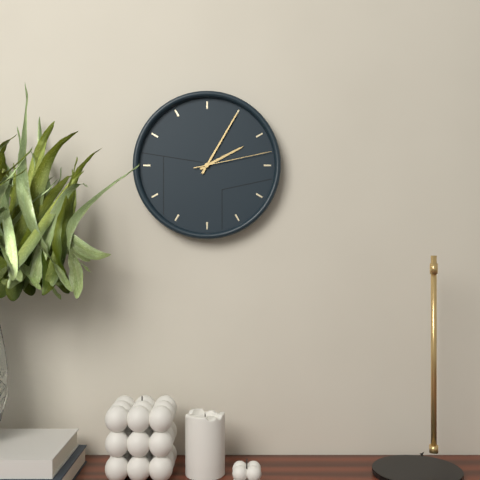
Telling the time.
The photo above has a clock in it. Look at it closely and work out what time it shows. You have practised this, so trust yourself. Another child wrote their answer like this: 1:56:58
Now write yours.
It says 2:05:13
